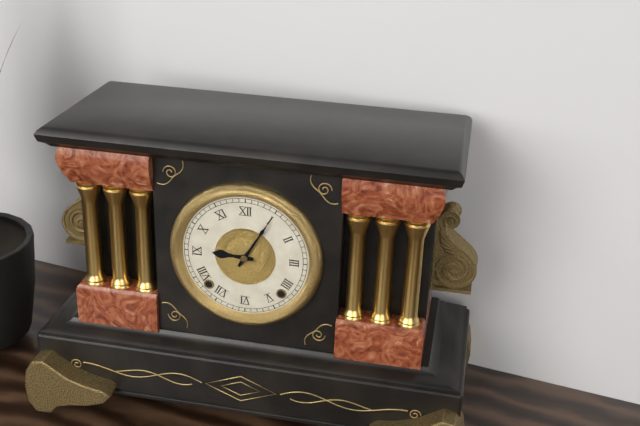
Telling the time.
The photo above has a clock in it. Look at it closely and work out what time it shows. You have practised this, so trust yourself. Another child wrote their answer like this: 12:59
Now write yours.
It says 9:05
